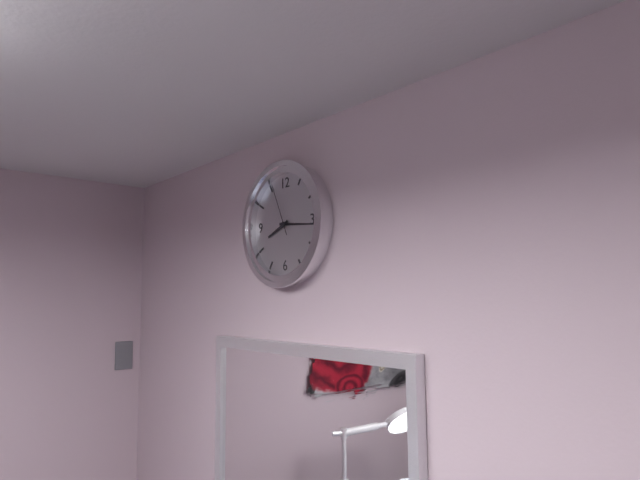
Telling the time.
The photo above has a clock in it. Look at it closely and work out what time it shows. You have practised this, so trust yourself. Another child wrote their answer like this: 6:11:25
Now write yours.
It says 8:16:56
